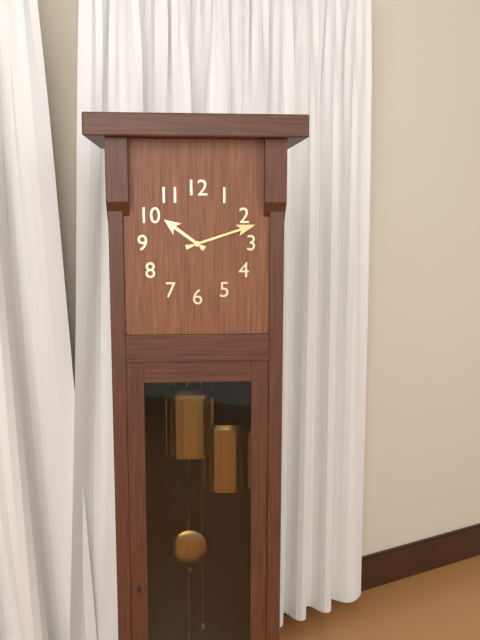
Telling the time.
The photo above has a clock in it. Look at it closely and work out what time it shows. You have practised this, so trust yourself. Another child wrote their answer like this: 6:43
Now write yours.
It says 10:12
